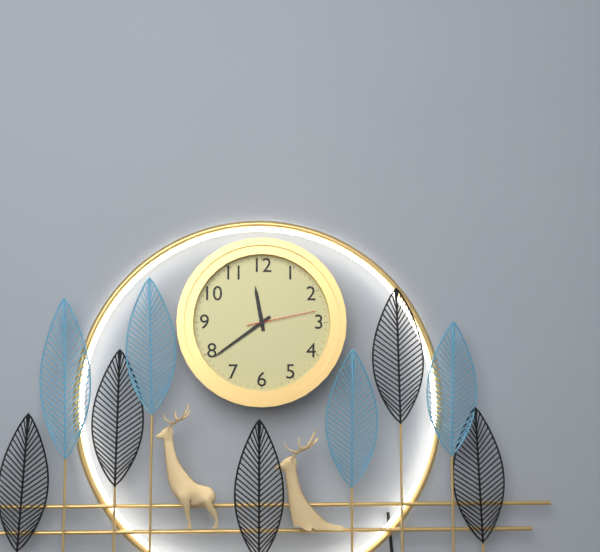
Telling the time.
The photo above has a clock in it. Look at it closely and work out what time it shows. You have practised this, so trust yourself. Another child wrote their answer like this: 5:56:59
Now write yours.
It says 11:39:13
